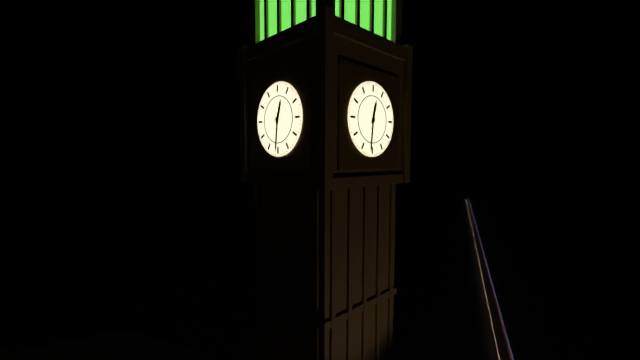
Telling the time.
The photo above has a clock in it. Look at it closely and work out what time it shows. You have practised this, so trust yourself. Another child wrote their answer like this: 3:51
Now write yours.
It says 12:31
